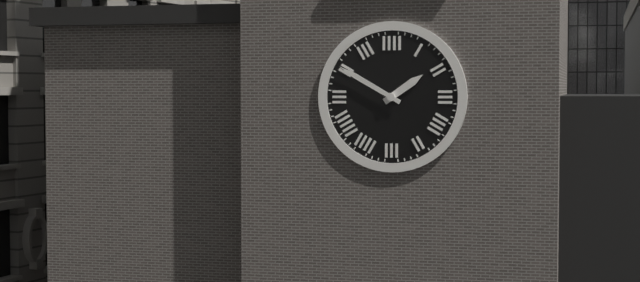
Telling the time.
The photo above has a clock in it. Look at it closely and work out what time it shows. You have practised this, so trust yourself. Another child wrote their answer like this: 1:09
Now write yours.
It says 1:50
